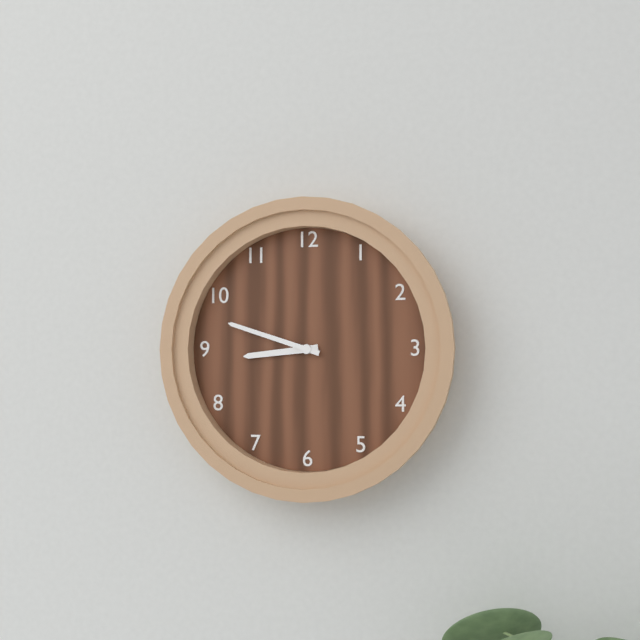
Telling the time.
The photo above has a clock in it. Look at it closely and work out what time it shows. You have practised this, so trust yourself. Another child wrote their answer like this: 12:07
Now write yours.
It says 8:48
